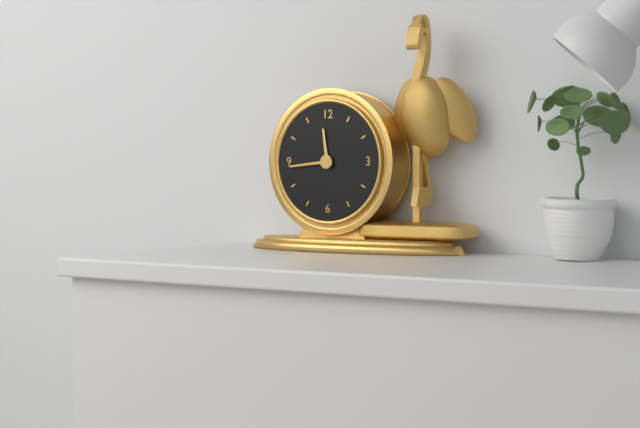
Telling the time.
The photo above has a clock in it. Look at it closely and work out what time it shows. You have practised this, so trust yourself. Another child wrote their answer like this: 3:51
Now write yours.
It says 11:44
